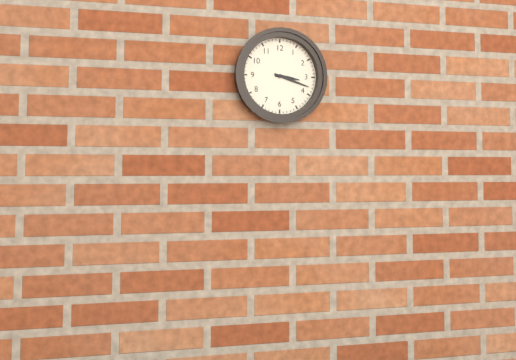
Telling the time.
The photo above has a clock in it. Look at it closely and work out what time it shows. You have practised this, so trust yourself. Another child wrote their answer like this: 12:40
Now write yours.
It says 3:18
